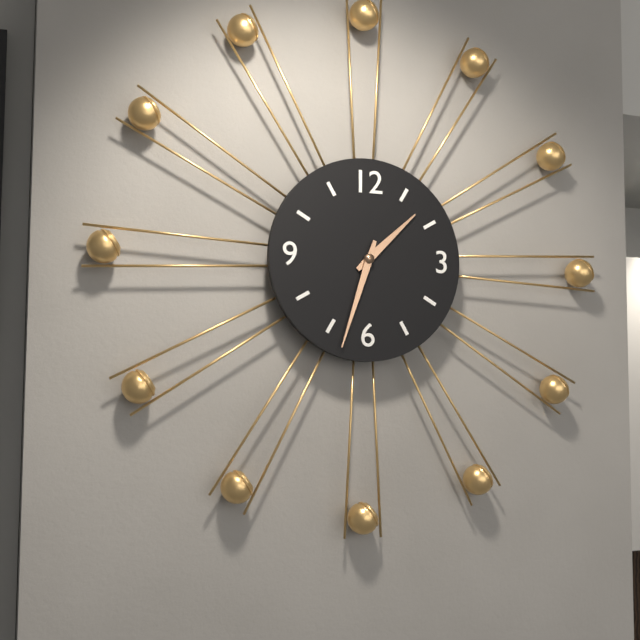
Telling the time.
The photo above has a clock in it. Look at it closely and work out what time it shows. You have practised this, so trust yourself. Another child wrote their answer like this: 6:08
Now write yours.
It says 1:33
